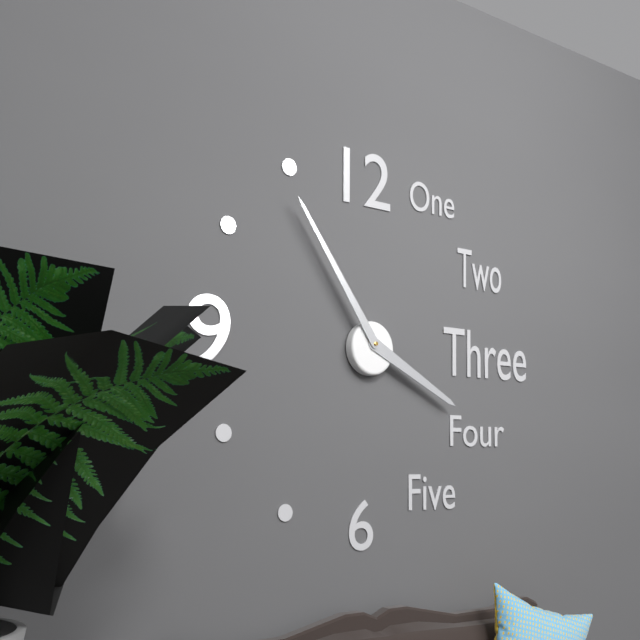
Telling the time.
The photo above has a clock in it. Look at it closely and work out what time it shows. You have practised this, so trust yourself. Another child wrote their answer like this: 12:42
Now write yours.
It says 3:54
